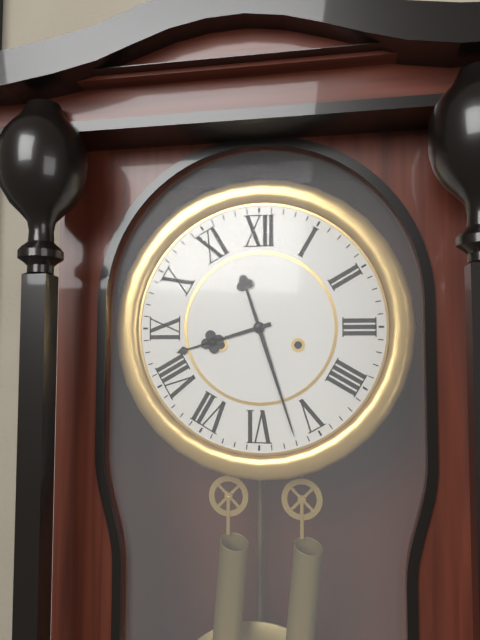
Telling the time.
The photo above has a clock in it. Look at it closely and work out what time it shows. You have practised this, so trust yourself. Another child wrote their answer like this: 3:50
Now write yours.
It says 8:27
